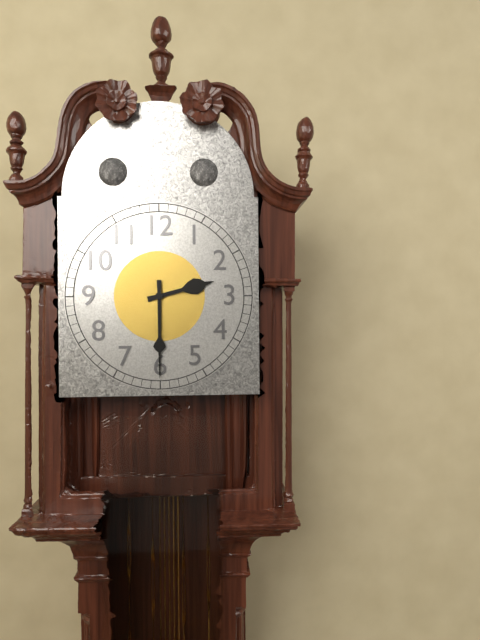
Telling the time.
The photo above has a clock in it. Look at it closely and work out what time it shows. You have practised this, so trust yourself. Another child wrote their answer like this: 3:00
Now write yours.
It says 2:30
